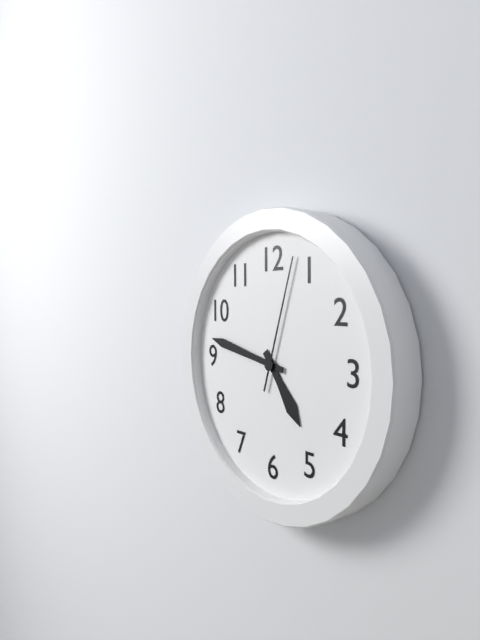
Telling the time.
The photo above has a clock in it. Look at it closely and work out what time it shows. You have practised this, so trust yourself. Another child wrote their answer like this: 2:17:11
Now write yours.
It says 4:47:03
